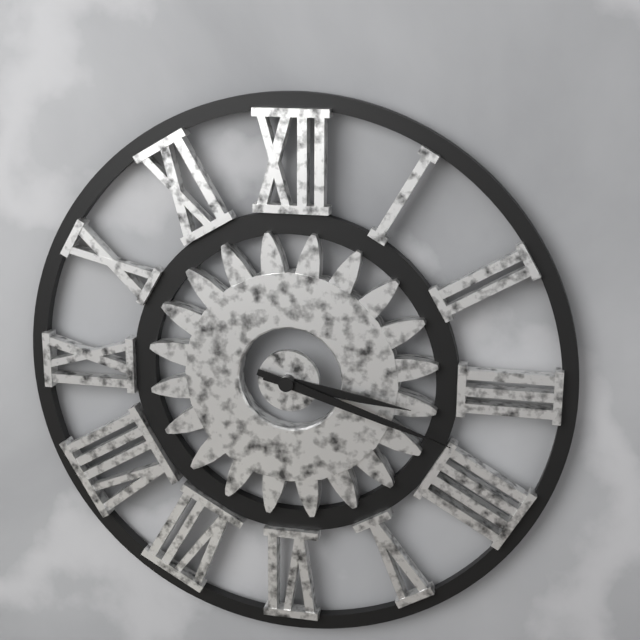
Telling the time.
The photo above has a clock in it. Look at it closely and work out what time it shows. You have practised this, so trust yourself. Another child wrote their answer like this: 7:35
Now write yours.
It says 3:18
